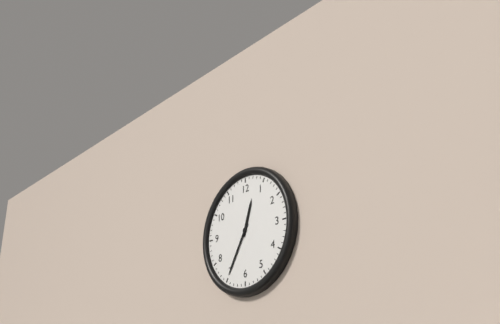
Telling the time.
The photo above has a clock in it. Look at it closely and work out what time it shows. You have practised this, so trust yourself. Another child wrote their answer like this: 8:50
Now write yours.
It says 12:35
